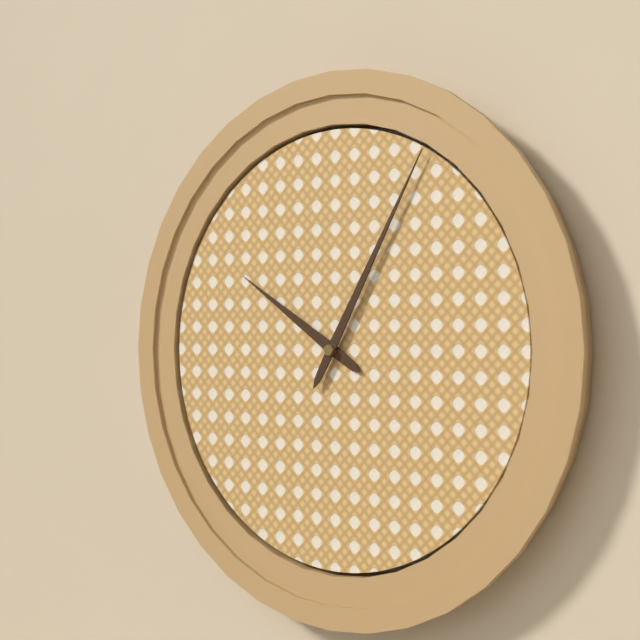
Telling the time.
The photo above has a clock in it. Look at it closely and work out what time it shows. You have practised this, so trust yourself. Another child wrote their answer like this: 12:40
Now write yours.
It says 10:05
